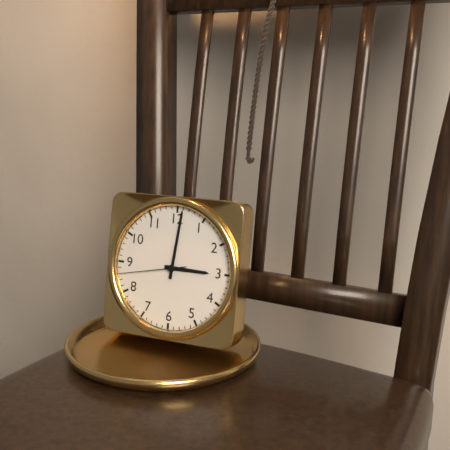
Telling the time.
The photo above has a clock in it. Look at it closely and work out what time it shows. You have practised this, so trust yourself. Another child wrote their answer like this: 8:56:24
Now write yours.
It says 3:01:43
